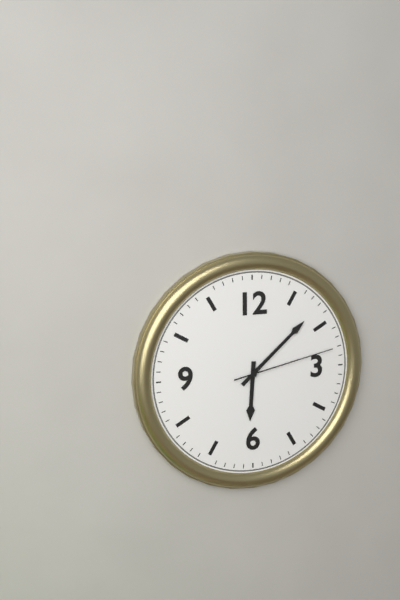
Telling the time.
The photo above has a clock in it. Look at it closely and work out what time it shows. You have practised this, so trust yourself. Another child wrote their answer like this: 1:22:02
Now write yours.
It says 6:08:13
